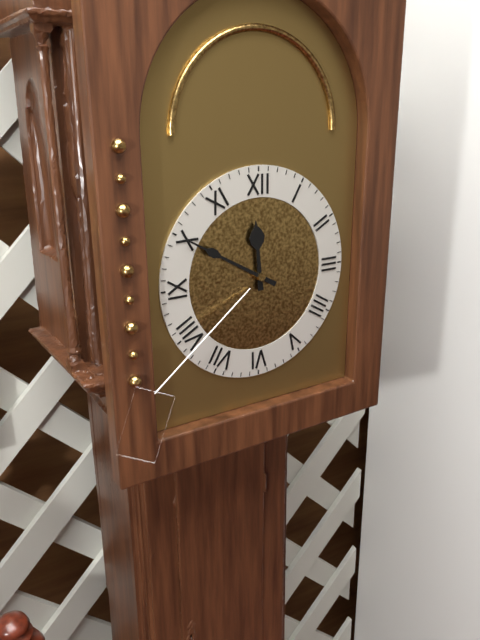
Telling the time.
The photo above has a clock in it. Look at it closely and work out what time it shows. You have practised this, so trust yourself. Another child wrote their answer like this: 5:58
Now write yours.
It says 11:50
